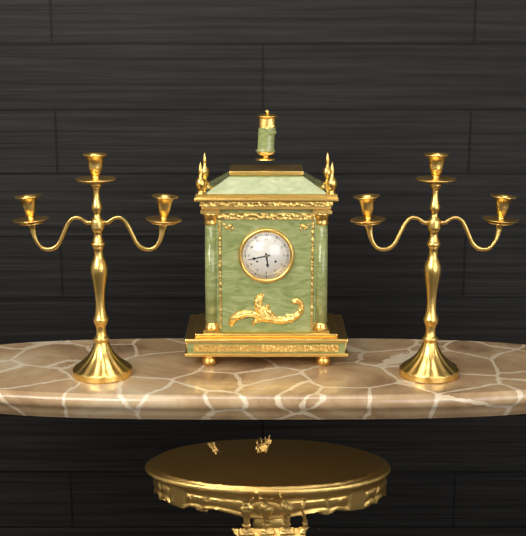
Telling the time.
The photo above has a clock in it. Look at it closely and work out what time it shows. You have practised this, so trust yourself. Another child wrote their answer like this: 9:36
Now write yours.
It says 5:43
